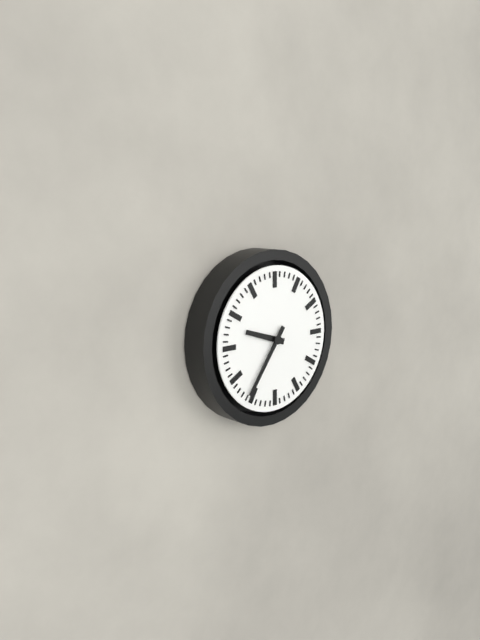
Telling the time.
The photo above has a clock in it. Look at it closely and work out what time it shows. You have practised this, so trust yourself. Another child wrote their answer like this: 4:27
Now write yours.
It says 9:36
